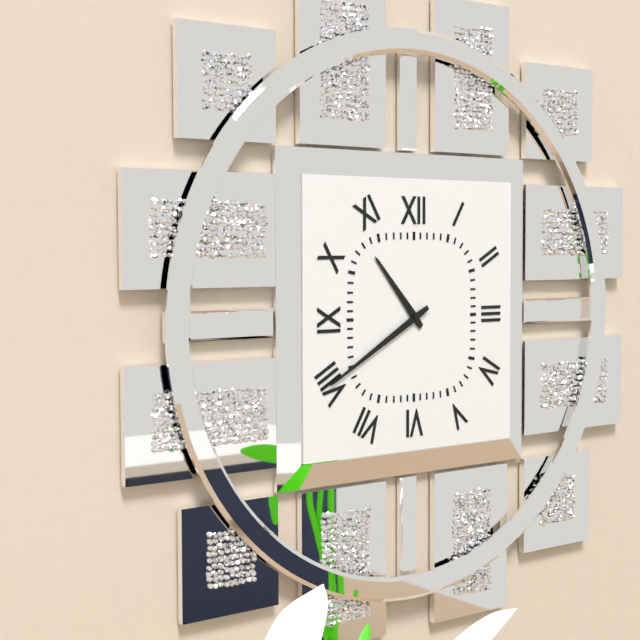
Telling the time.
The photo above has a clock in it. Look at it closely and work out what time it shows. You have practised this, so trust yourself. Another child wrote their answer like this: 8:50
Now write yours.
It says 10:40
